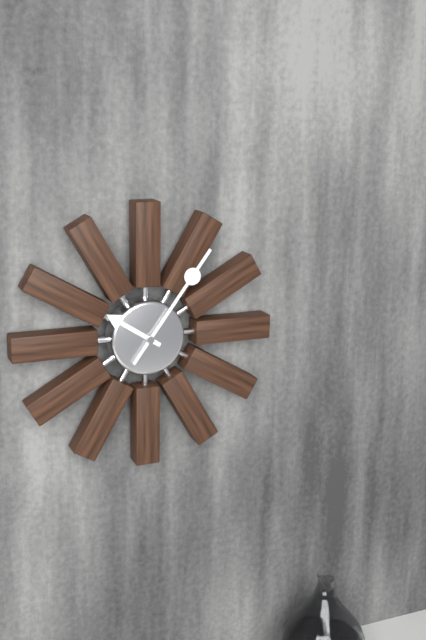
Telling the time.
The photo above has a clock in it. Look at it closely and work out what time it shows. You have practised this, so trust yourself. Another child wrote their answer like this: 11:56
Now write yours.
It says 10:06
